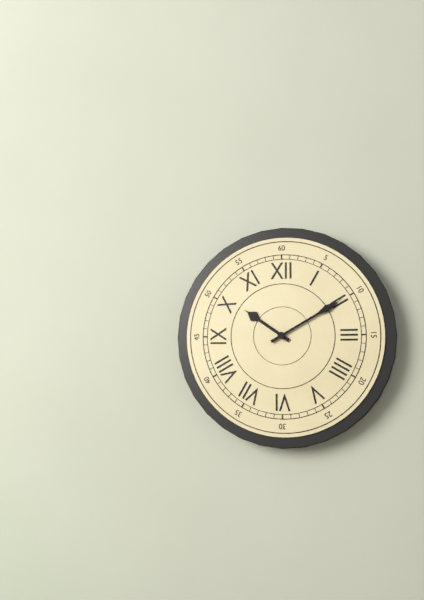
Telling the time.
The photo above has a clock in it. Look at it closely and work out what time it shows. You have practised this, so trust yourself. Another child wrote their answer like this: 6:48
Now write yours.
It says 10:10
